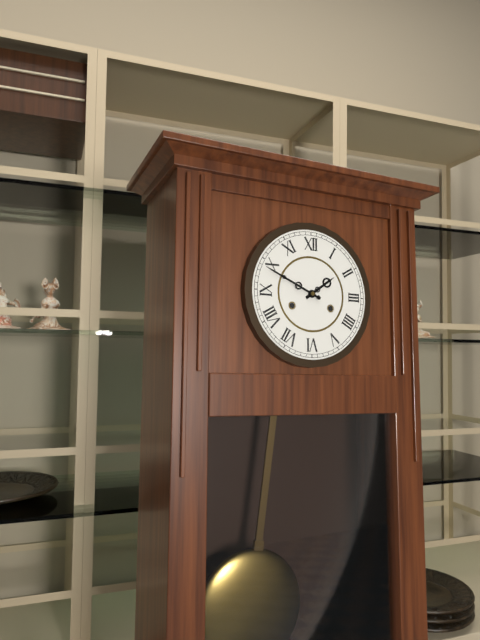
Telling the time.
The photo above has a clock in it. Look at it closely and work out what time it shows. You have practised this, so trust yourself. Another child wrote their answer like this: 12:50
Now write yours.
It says 1:49
